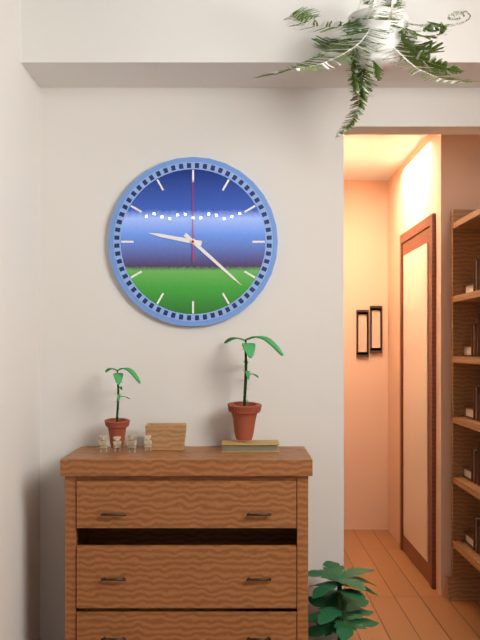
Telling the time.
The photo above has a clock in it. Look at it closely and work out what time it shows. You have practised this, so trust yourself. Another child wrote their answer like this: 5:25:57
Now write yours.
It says 9:22:00
